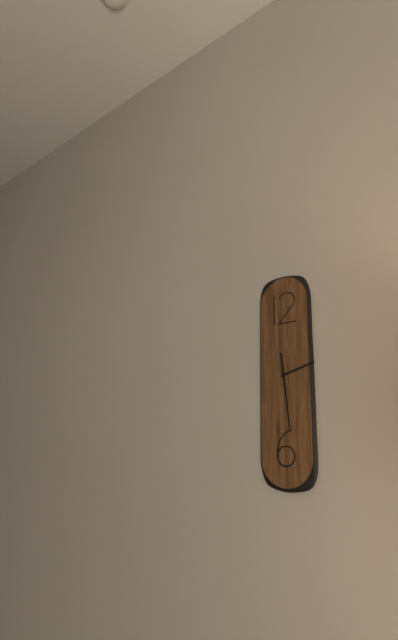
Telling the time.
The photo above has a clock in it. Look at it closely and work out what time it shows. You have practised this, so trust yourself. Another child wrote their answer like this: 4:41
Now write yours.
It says 2:29
